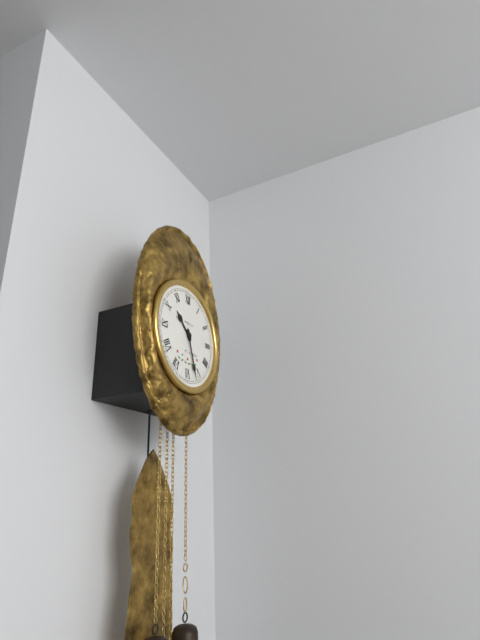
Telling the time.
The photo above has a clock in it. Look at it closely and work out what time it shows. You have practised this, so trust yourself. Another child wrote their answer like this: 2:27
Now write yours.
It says 10:27
